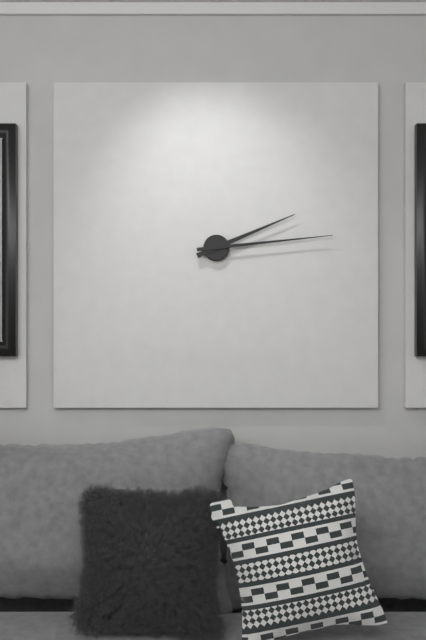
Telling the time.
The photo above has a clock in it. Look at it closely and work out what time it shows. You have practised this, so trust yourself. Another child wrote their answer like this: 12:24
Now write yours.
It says 2:14
